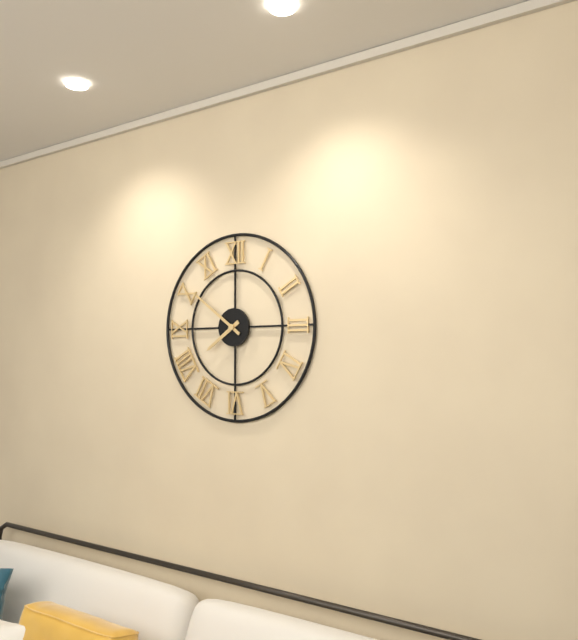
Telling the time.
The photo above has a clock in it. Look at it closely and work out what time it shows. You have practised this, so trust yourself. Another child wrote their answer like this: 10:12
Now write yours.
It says 7:51
